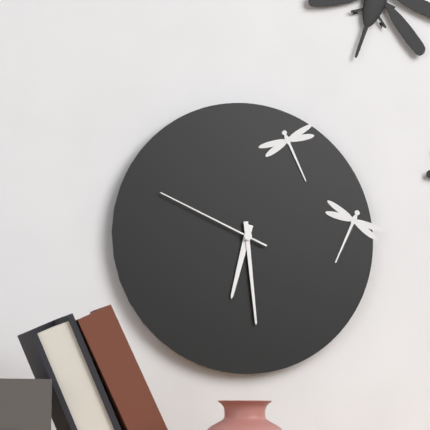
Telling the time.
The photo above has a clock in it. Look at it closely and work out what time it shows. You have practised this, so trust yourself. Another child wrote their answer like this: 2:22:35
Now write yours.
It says 6:29:49
